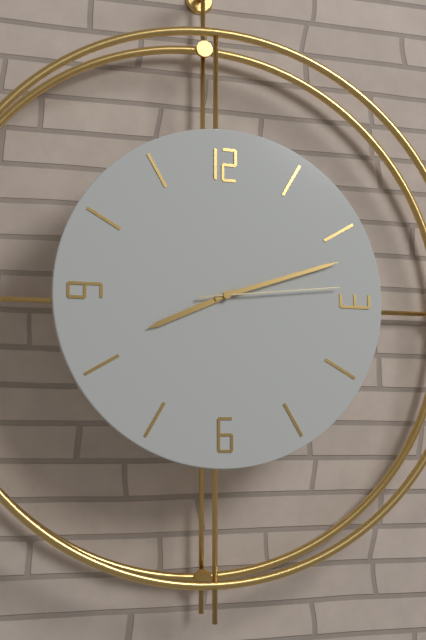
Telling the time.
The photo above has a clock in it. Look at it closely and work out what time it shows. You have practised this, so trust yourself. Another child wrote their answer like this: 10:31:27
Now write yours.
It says 8:12:14
